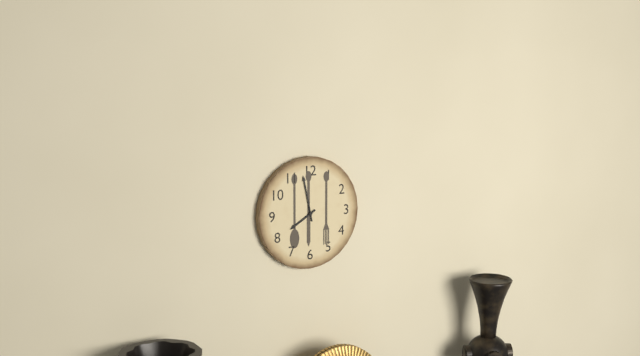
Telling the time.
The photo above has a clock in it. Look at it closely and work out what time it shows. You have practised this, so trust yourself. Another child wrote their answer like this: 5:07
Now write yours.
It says 7:58
